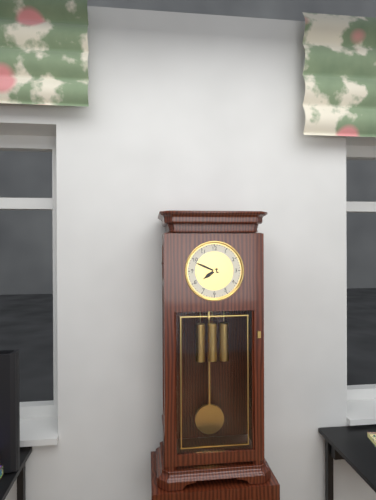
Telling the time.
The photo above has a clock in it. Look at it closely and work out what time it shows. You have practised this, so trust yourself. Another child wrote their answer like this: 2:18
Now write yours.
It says 7:49
